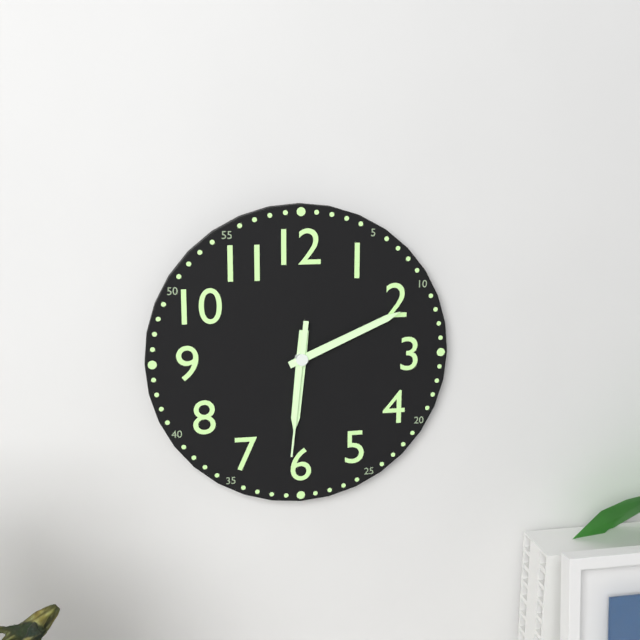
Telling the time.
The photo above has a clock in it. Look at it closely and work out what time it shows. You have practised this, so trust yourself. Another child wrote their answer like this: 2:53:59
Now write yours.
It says 6:11:31
